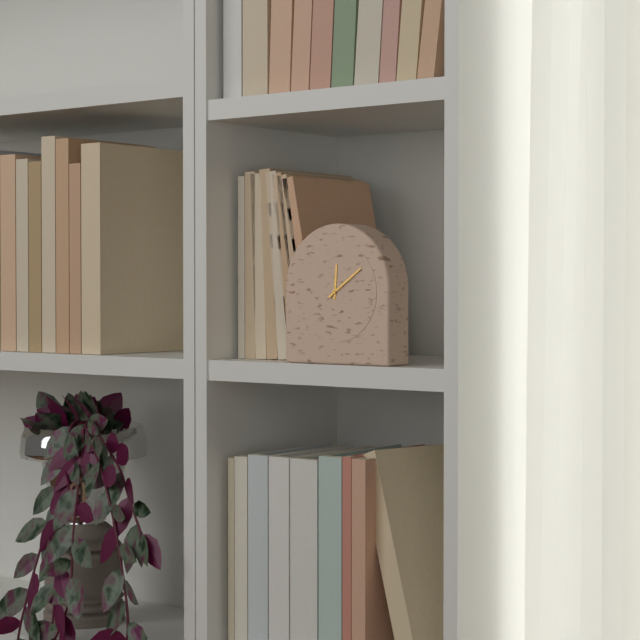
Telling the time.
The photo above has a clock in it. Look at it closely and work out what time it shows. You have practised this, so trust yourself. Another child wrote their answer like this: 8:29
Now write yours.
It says 12:09
